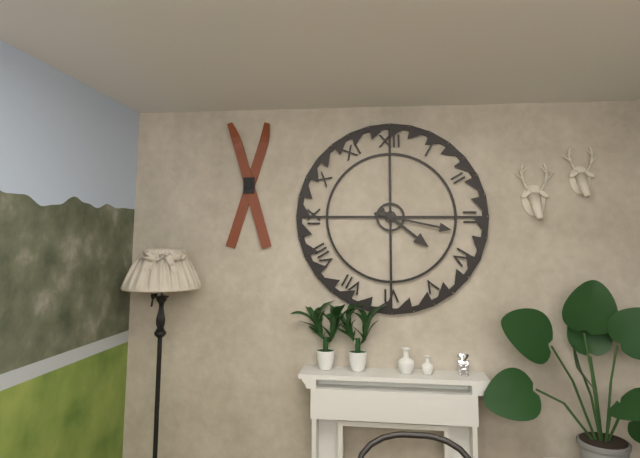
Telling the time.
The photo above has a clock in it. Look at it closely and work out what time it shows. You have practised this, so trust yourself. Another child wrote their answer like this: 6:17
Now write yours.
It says 4:17
